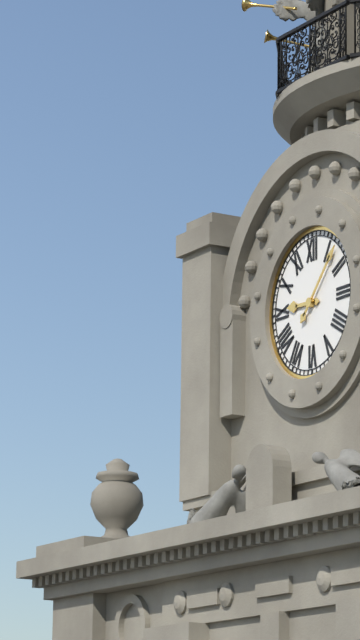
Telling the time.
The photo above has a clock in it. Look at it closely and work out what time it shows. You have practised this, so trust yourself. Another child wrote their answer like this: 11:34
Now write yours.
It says 9:07
